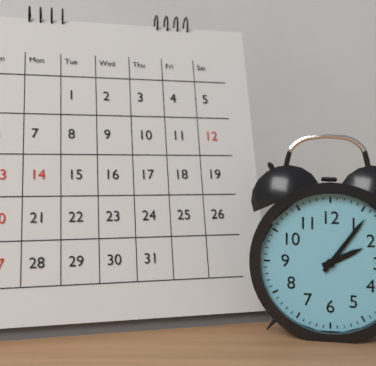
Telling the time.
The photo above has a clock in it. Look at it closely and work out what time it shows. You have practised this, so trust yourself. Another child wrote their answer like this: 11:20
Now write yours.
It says 2:06
